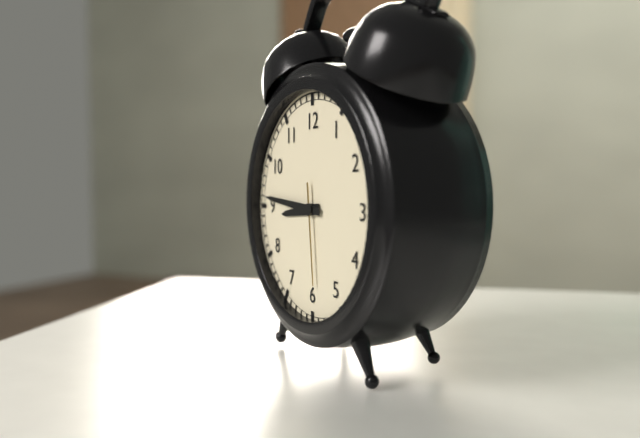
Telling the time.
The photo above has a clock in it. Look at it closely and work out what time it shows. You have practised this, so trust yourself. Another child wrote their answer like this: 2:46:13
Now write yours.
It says 8:46:29
